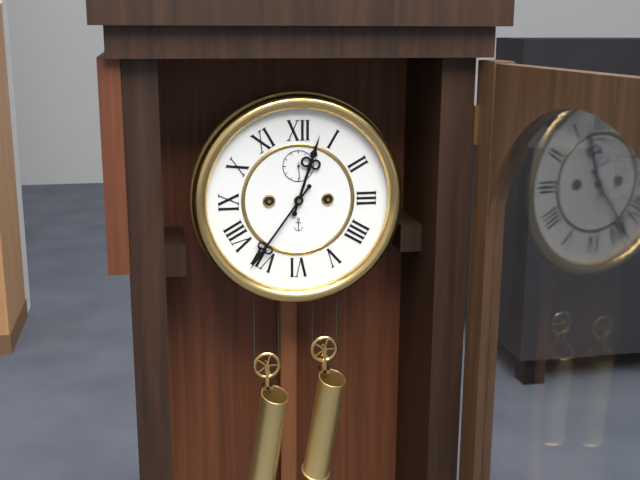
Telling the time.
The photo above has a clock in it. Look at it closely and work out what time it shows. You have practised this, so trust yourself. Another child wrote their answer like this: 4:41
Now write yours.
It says 12:36
